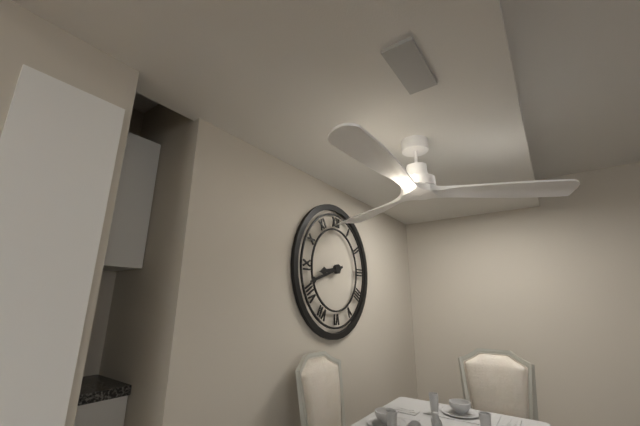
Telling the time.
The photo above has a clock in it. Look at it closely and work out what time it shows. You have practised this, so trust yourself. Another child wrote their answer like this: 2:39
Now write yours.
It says 8:42
